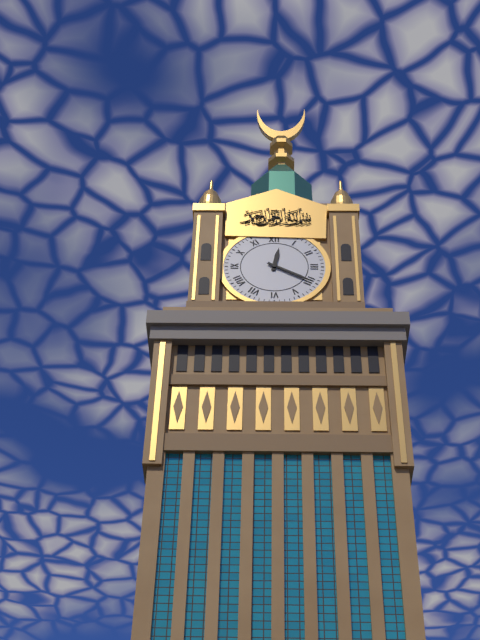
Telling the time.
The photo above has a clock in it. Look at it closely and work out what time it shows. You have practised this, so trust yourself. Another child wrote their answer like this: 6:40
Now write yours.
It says 12:20
